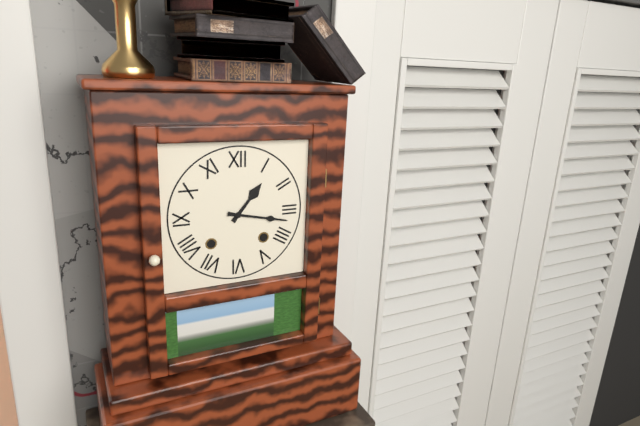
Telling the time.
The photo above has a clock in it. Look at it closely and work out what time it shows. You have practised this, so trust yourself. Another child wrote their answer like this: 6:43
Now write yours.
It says 1:17
